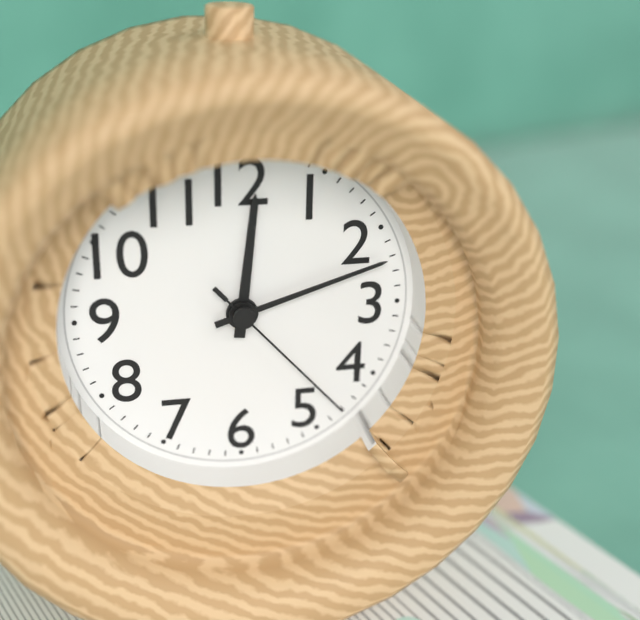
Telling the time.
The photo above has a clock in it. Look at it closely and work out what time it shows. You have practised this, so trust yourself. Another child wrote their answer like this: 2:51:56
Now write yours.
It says 12:12:23
